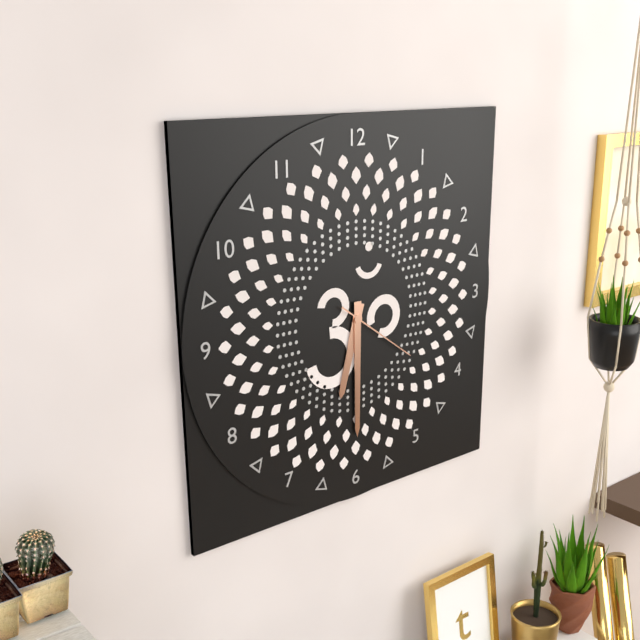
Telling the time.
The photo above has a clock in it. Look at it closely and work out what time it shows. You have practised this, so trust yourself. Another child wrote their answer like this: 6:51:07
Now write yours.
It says 6:30:21
